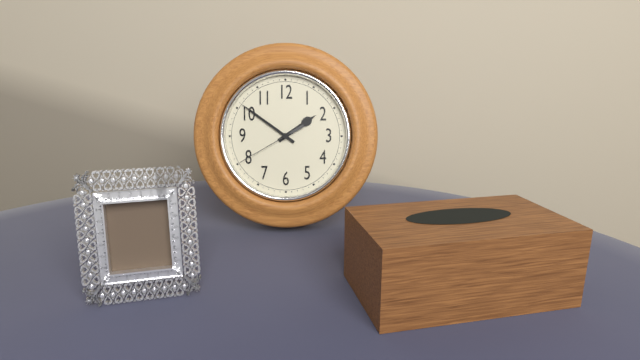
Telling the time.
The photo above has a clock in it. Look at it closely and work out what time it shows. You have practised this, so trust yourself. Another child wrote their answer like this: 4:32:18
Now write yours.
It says 1:51:40
